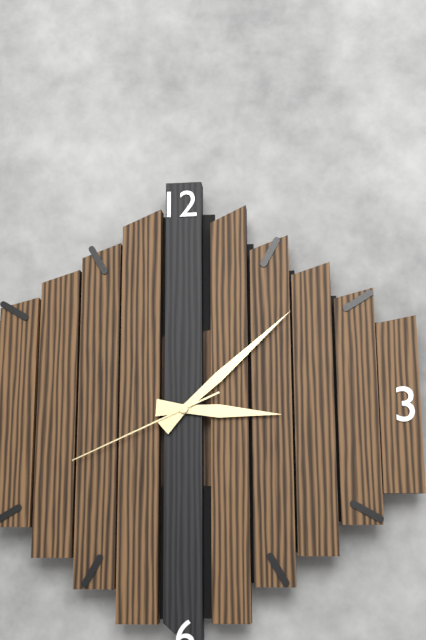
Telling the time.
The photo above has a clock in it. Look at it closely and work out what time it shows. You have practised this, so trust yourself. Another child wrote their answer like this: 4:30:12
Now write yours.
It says 3:08:41
